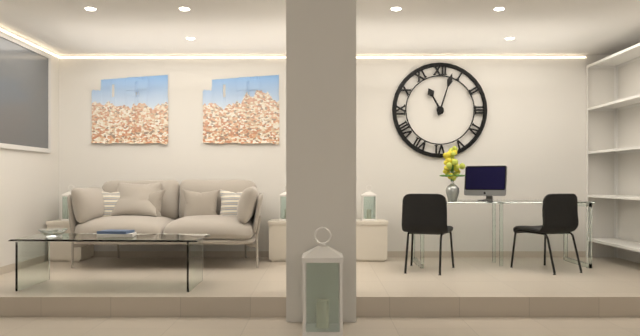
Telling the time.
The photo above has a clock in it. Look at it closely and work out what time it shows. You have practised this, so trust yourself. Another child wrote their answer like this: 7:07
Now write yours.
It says 11:03
